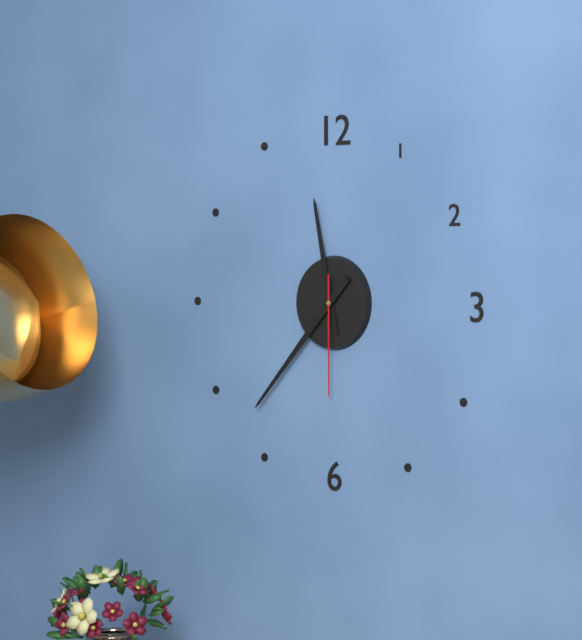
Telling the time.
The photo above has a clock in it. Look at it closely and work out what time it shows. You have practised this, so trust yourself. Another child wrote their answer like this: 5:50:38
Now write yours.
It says 11:37:30
